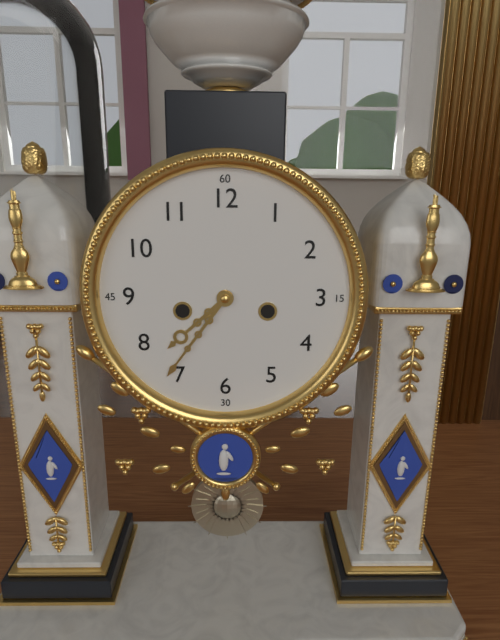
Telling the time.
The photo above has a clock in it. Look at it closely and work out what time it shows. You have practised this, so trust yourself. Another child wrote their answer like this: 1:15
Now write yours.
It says 7:36
